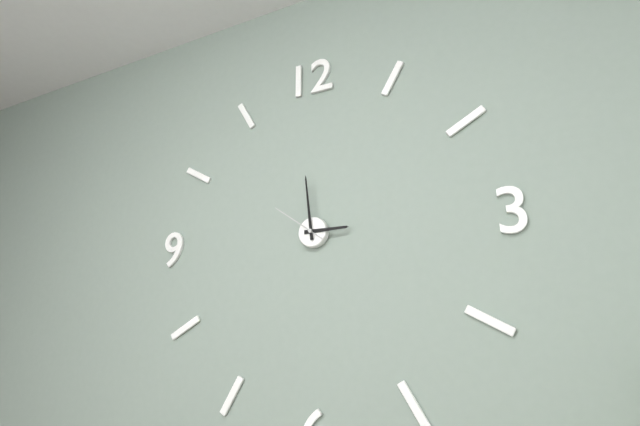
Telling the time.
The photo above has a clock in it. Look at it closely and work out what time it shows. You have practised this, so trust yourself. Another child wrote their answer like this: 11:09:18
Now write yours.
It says 2:59:51
